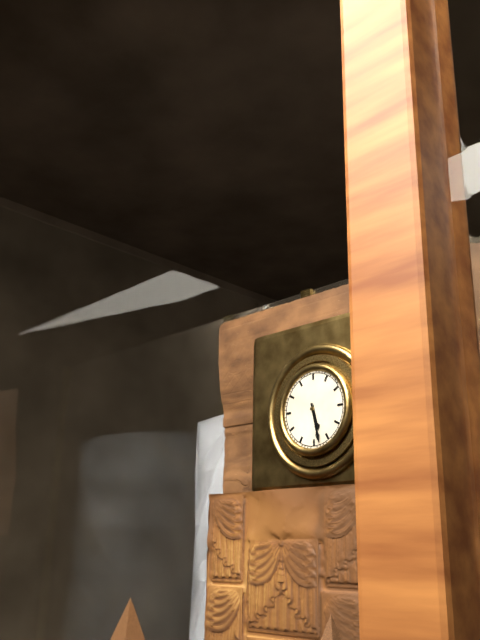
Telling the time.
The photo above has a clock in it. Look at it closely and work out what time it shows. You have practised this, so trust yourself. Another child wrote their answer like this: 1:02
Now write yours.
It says 5:28
